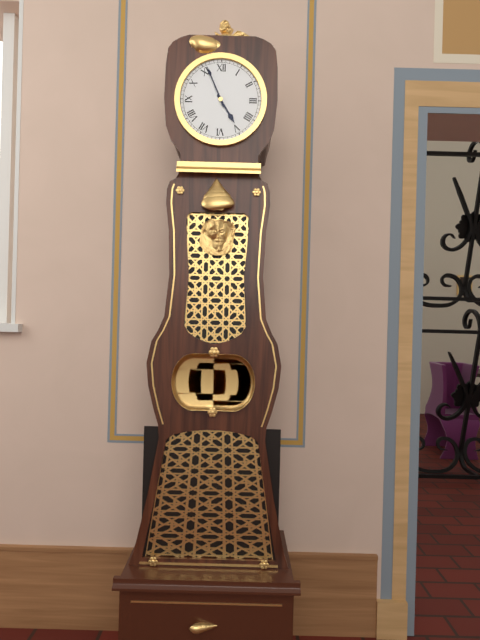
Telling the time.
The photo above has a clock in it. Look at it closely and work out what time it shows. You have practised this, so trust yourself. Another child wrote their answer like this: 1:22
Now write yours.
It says 4:56
